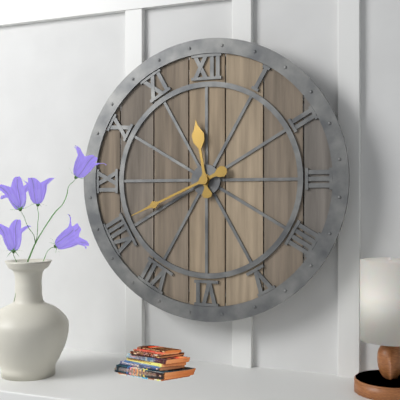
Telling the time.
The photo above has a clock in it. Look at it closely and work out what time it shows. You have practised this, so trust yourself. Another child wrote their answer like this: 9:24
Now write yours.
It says 11:41
